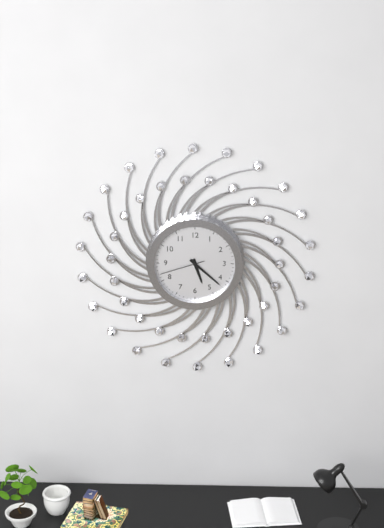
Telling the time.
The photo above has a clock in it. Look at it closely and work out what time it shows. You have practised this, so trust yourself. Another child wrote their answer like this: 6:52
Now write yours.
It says 5:22
